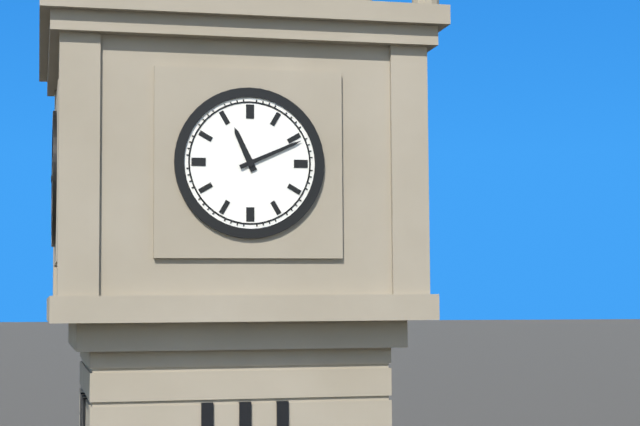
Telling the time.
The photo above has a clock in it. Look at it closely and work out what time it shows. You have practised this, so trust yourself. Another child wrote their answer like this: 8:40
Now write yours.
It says 11:11
